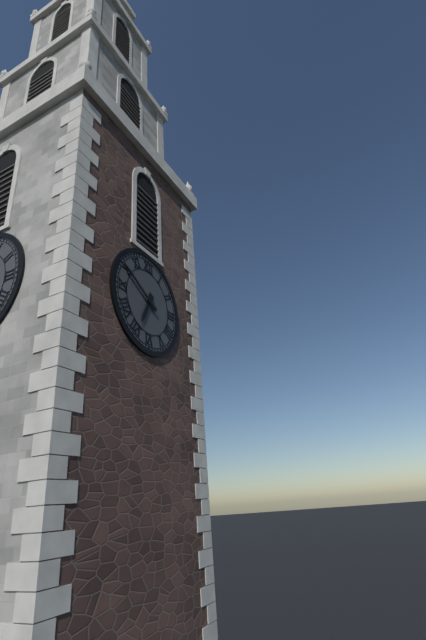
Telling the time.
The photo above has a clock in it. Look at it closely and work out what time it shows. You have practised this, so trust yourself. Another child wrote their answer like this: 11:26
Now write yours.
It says 6:50
